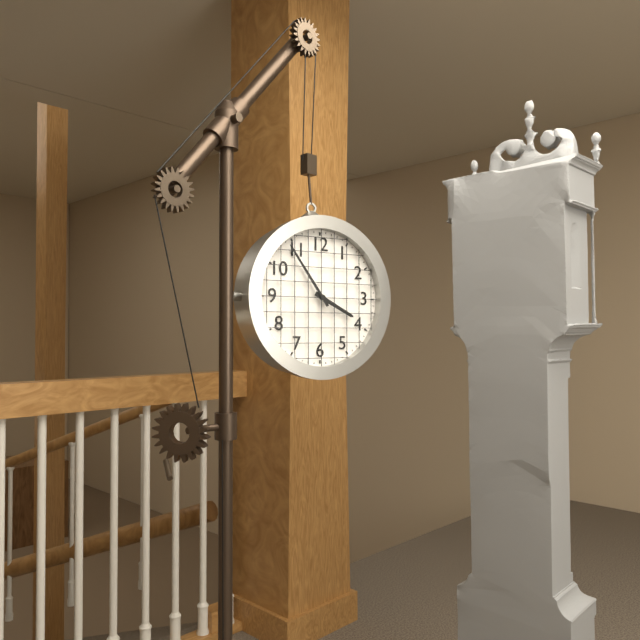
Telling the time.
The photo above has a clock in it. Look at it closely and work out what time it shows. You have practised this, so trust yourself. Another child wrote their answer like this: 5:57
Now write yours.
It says 3:54
